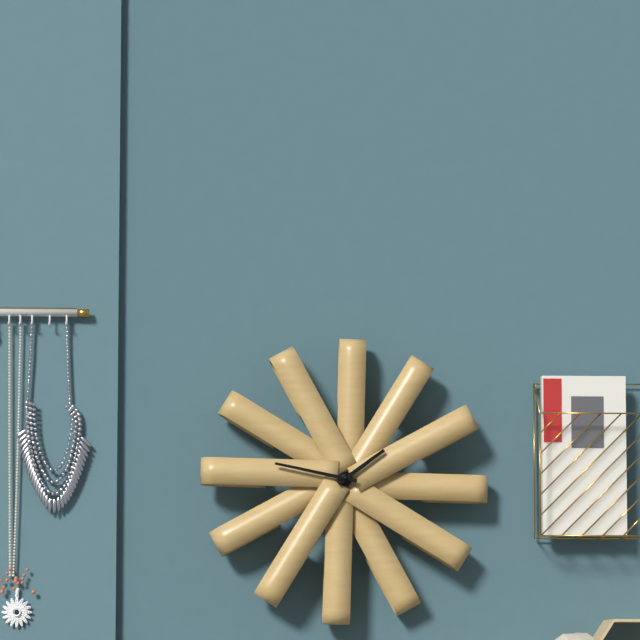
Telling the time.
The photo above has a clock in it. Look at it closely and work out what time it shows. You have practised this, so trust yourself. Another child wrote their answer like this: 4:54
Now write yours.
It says 1:47
